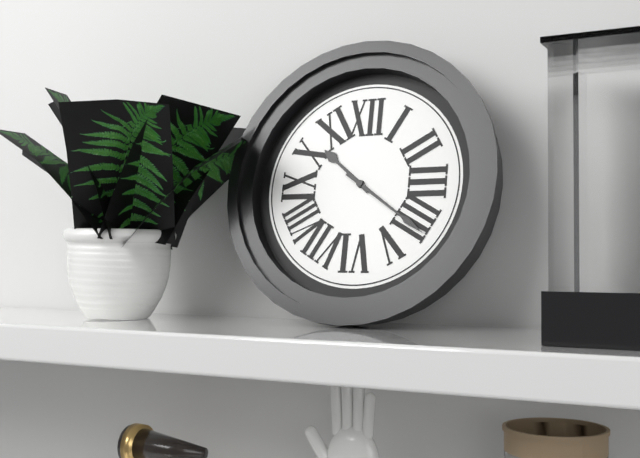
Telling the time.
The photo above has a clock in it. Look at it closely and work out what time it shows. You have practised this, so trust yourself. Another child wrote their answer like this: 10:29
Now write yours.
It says 10:21
